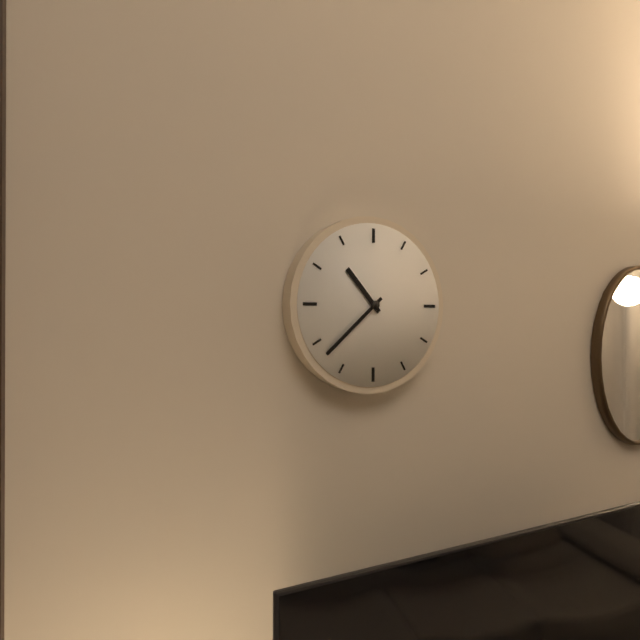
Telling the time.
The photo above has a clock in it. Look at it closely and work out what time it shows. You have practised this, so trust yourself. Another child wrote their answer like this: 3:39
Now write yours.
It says 10:38
